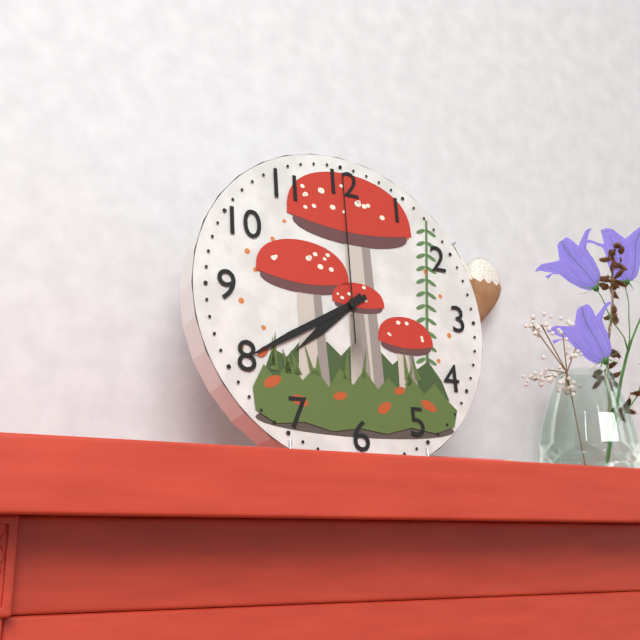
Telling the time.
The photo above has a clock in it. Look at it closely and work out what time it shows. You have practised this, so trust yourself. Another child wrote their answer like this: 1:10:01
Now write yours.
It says 7:40:00
